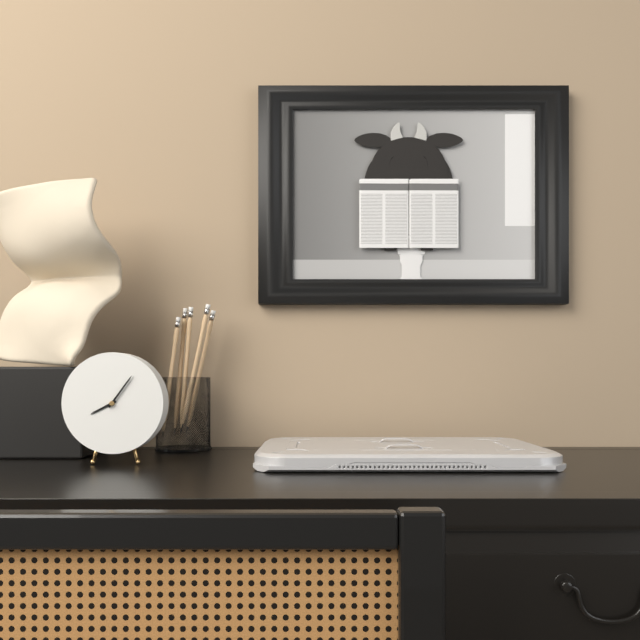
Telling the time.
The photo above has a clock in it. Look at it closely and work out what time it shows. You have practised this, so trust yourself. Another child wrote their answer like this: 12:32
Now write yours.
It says 8:06
